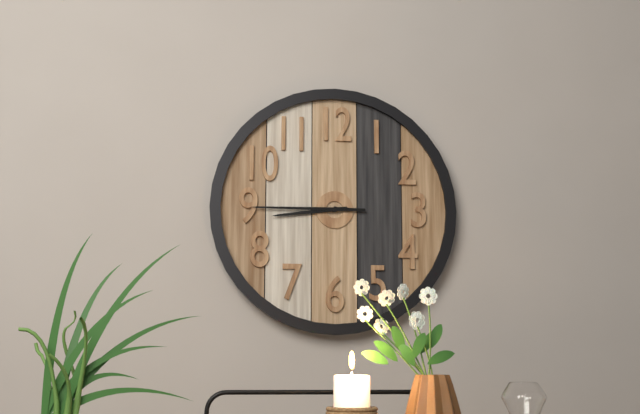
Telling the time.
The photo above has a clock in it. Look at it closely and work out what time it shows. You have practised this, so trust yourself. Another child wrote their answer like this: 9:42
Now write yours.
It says 8:45
